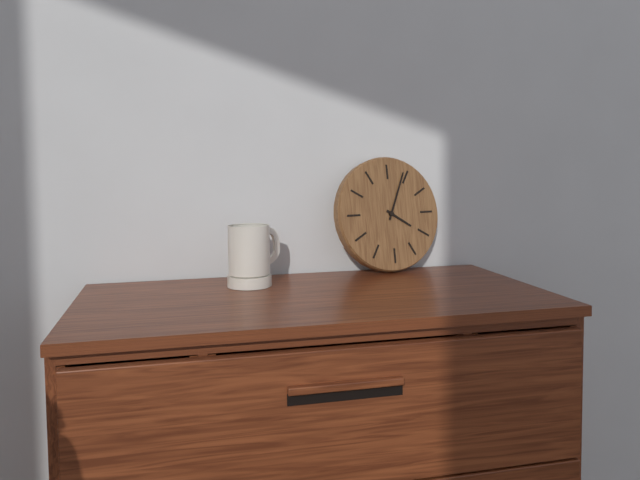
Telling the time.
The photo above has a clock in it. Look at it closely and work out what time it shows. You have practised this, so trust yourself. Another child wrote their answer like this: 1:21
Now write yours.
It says 4:04
